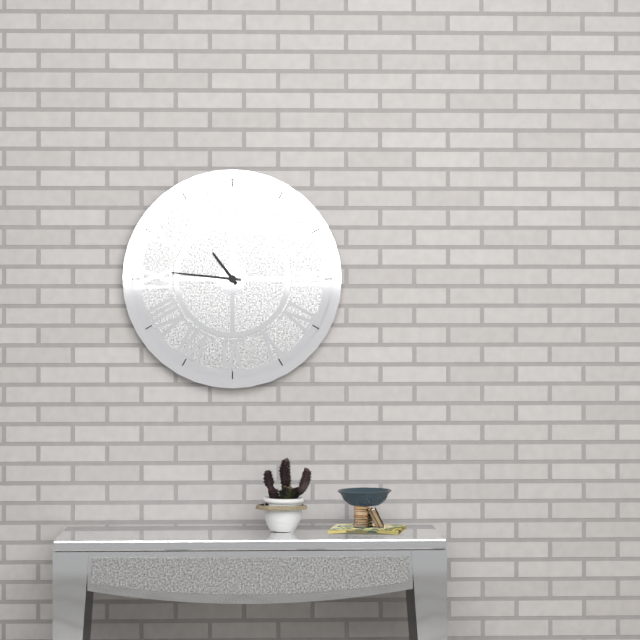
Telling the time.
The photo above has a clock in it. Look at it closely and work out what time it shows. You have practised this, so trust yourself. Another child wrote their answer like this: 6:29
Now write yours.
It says 10:46
